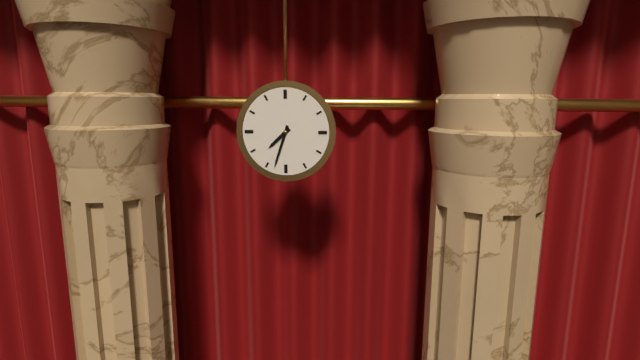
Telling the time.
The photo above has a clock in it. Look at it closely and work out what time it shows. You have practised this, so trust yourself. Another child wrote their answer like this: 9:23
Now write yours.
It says 7:33
